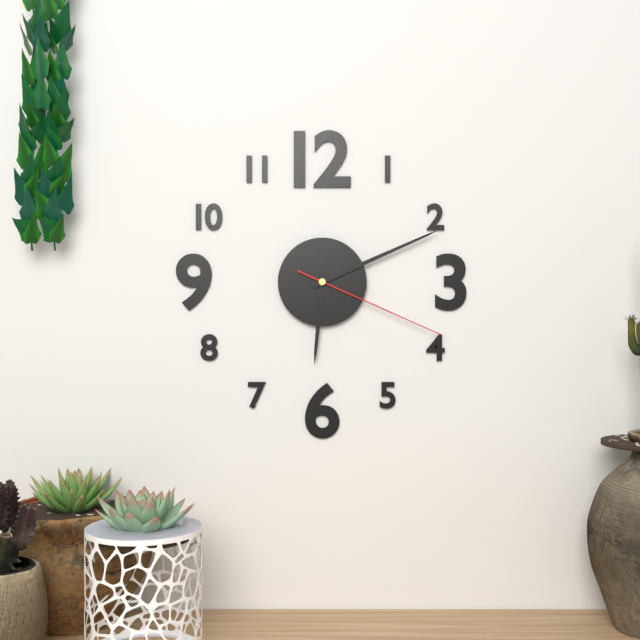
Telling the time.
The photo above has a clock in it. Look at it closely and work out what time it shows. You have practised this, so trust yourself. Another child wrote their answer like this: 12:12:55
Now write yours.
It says 6:11:19
